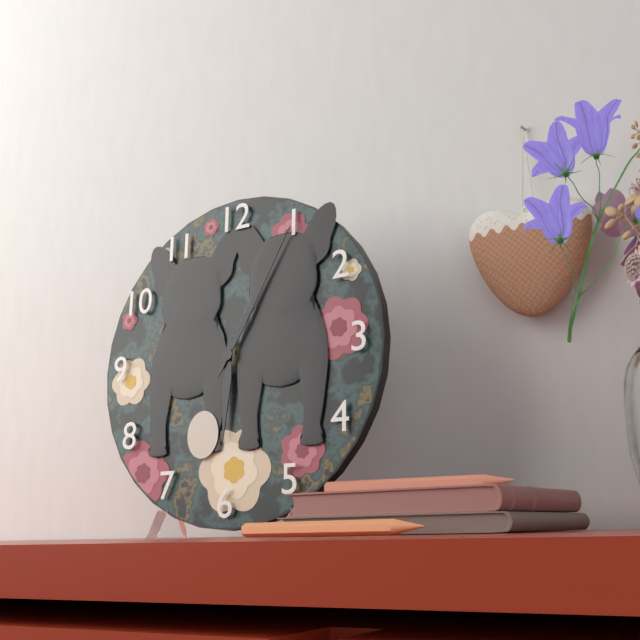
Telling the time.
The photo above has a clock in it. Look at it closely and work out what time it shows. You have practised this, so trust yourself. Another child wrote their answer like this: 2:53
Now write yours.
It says 6:05
